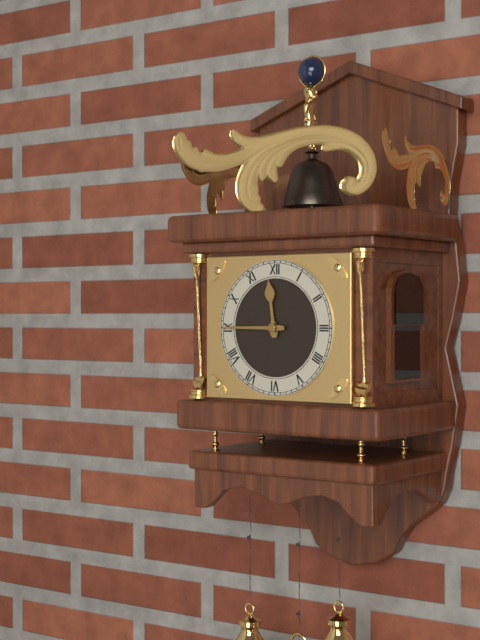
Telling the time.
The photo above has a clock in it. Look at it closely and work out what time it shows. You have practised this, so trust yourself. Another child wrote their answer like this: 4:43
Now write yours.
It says 11:45
